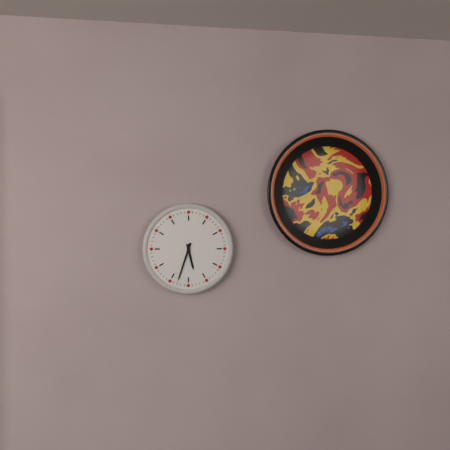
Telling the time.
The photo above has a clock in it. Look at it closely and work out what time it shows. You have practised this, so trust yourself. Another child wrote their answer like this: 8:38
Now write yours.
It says 5:33
